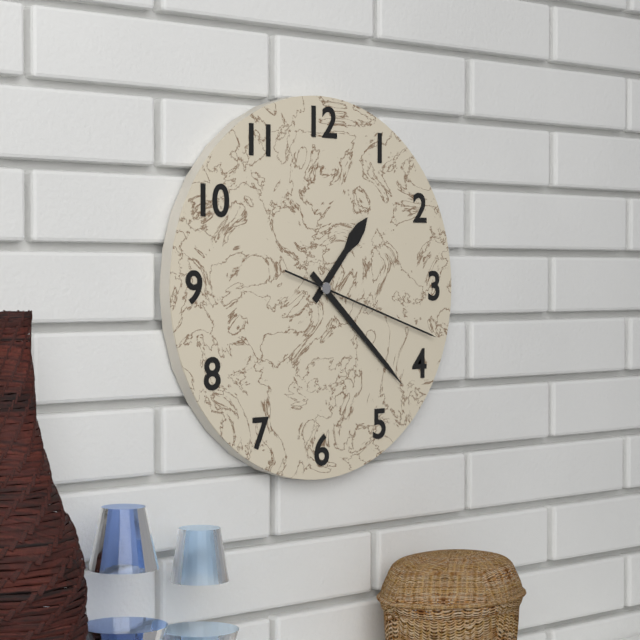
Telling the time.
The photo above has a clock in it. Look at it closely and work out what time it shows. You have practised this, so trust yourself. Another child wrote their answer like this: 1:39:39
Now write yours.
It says 1:22:18
